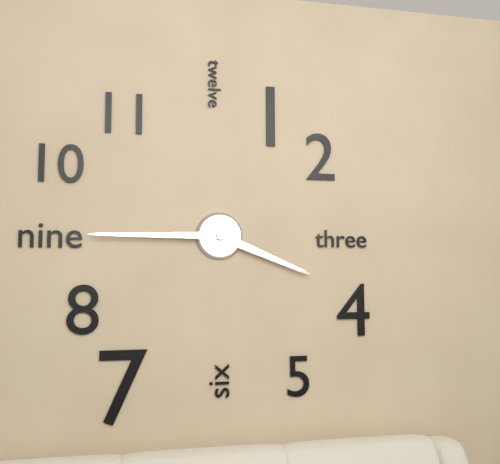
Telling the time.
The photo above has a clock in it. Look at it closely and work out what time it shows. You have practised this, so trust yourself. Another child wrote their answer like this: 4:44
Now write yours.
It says 3:45
